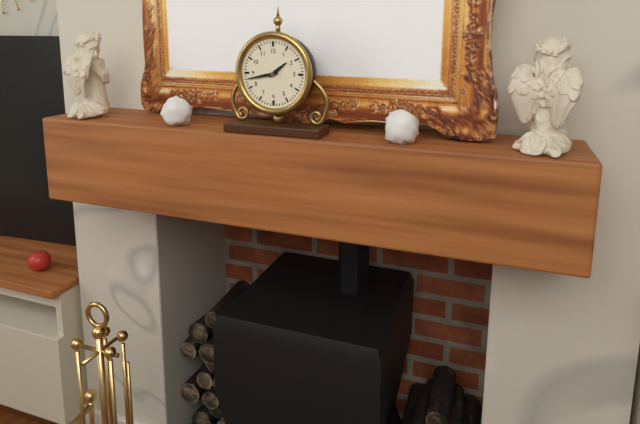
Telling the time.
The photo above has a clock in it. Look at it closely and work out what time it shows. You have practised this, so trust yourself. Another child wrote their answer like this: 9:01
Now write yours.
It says 1:43
